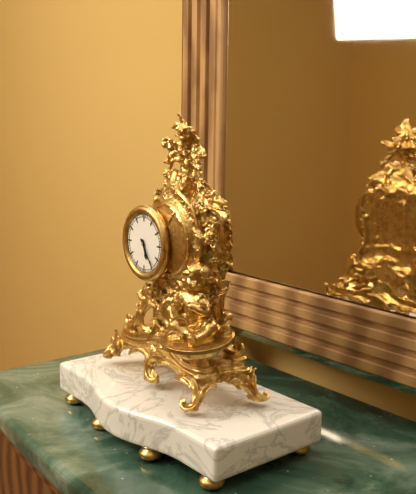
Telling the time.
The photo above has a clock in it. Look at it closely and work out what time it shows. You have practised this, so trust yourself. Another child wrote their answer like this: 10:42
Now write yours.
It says 5:24
